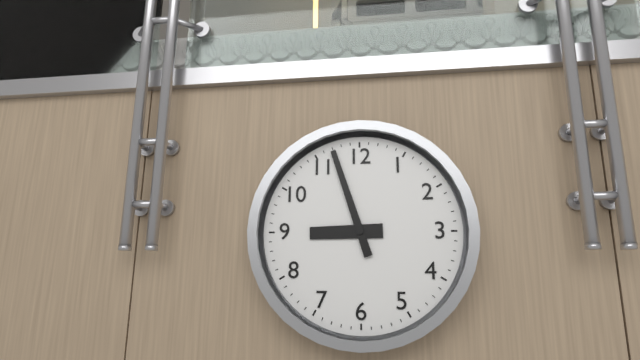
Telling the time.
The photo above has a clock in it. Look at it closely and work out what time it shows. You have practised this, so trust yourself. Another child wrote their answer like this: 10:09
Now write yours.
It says 8:57
